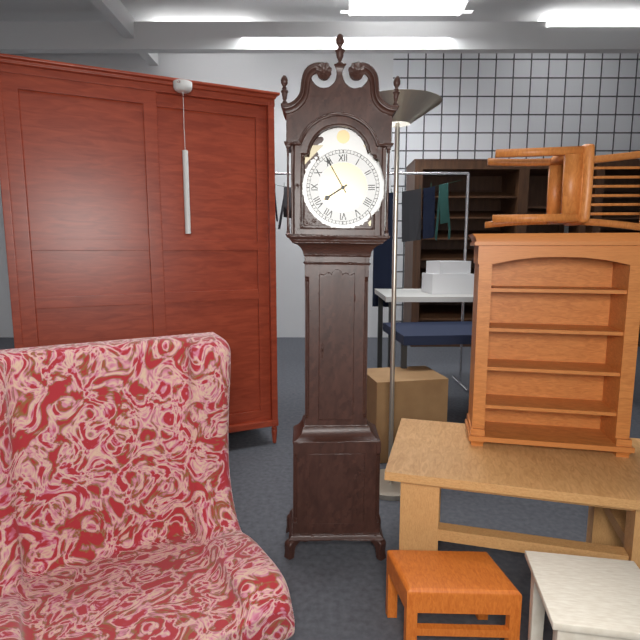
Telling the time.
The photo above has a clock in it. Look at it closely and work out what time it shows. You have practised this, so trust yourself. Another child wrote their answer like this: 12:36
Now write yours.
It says 7:55
